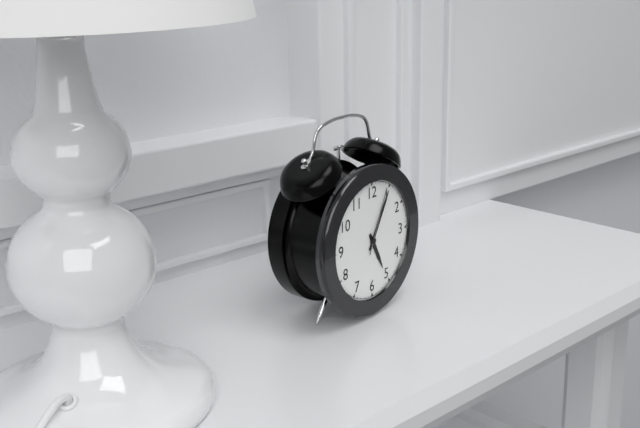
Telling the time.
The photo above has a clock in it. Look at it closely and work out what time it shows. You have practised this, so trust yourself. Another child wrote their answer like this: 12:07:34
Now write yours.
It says 5:05:04
